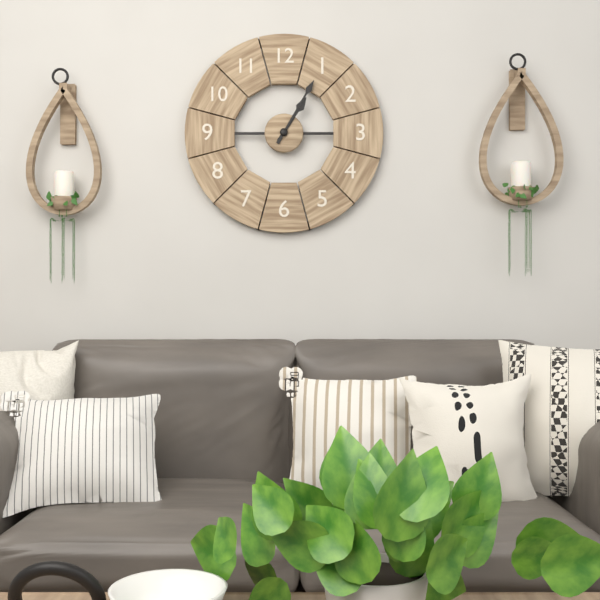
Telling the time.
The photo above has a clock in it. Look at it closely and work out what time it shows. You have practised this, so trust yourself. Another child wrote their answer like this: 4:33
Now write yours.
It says 1:05
